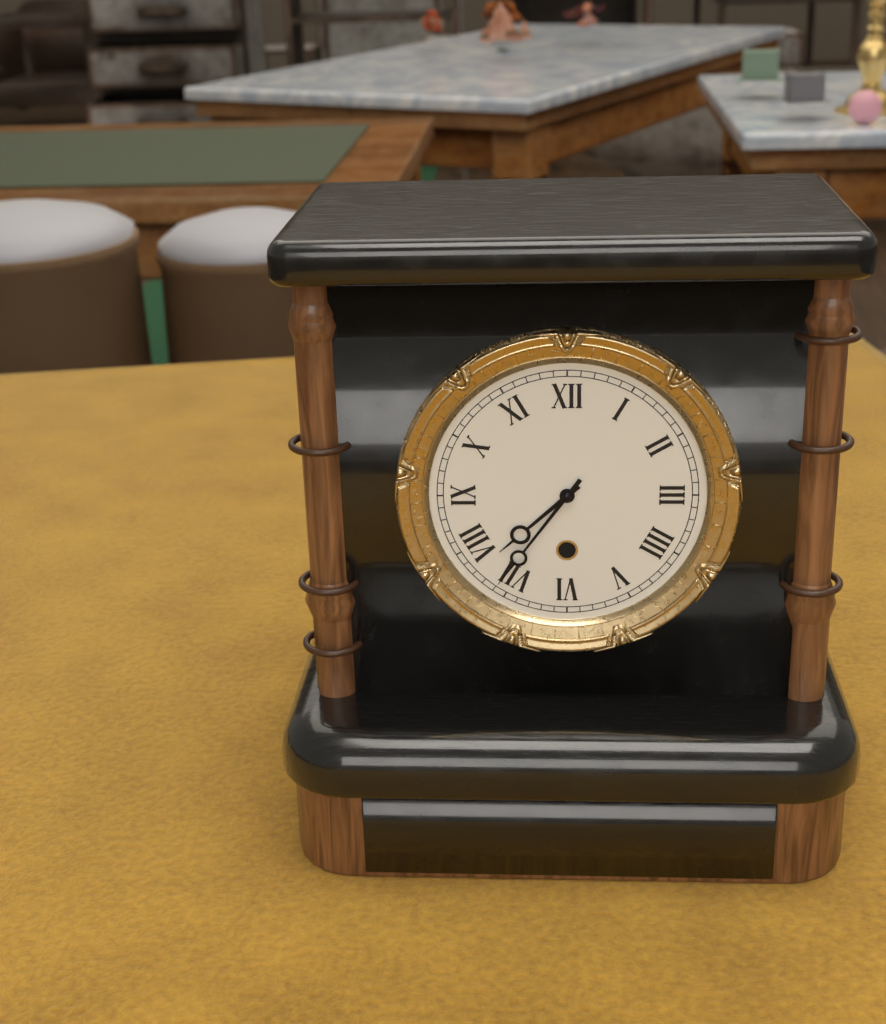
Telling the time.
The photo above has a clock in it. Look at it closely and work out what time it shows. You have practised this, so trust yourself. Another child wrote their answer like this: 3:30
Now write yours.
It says 7:36
